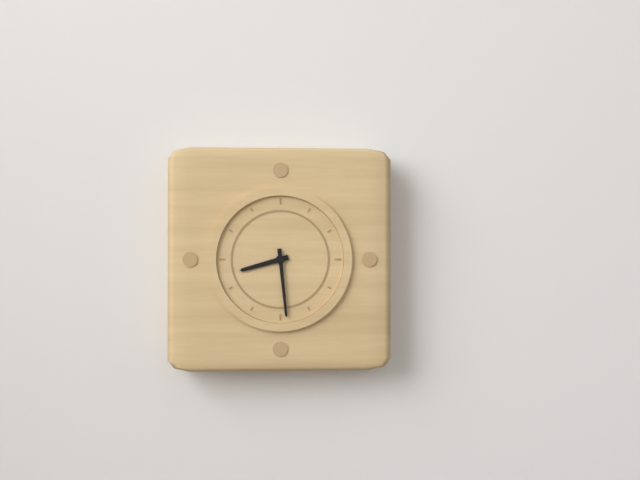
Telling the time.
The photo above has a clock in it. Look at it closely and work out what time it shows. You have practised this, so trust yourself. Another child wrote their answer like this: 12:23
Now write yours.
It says 8:29
